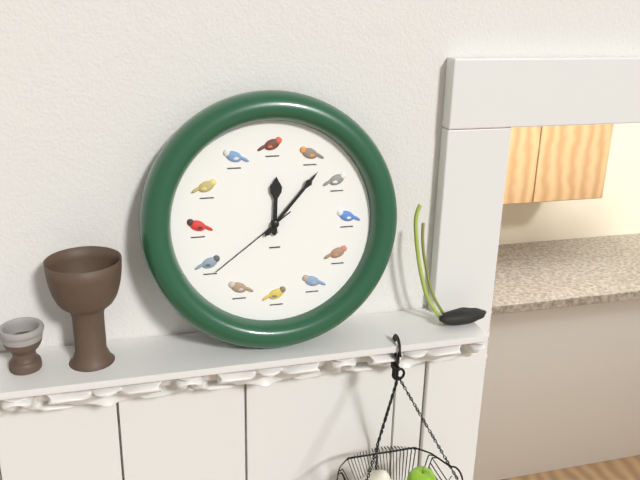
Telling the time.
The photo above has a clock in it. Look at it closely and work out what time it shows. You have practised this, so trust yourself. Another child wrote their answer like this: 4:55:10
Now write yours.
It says 12:07:39
